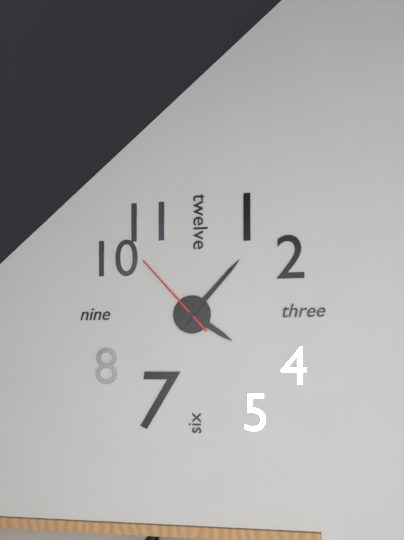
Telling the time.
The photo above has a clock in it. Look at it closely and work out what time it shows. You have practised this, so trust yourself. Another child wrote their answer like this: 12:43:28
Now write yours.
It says 4:07:53
